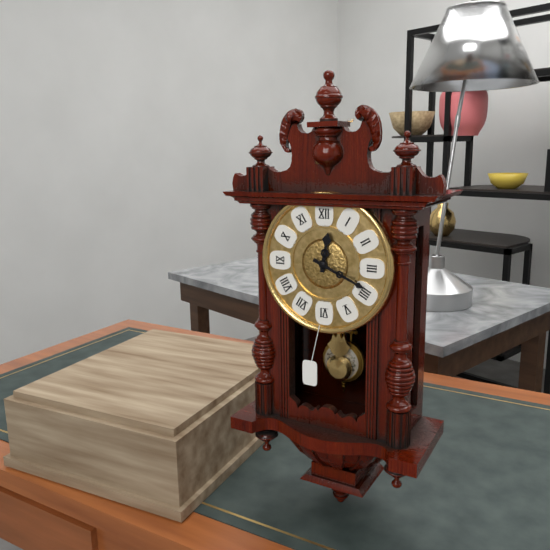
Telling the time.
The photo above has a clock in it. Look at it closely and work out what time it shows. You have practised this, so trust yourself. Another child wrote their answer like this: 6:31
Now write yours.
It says 12:19
